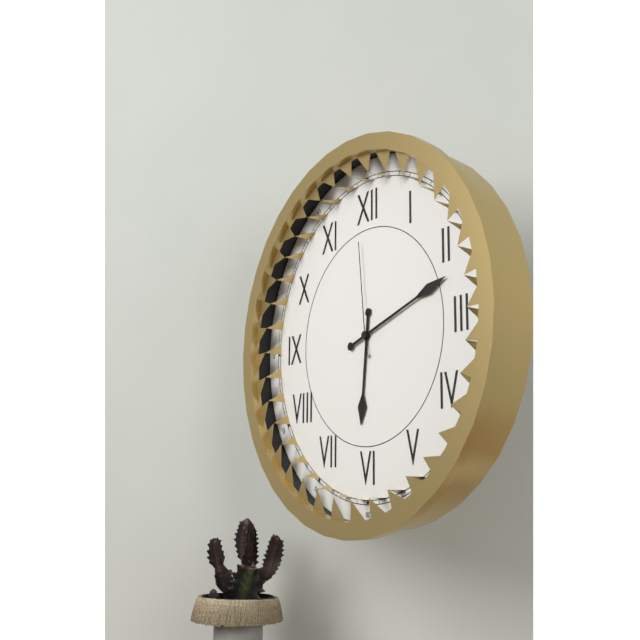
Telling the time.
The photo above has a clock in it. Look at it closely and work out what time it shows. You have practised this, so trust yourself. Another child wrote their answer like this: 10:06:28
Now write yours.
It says 6:12:59
